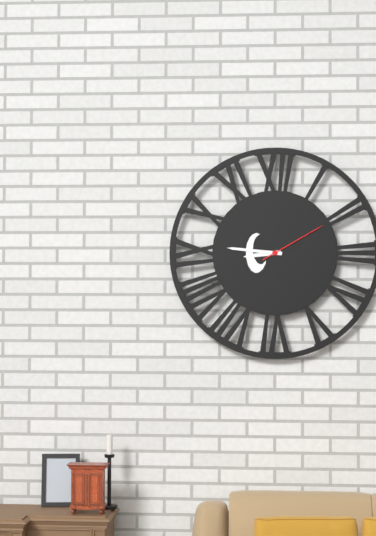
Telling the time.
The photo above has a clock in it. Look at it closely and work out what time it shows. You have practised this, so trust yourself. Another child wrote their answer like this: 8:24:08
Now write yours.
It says 8:46:10
